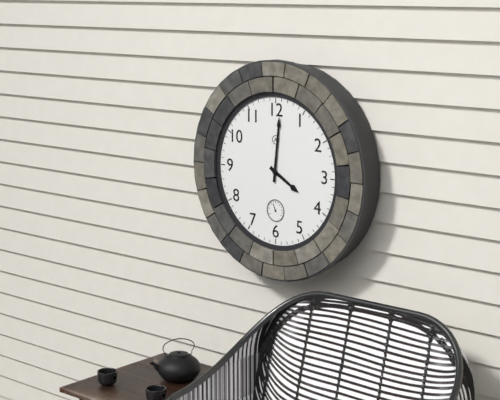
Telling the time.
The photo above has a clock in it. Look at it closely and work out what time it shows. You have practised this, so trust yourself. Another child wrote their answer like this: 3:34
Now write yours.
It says 4:01
